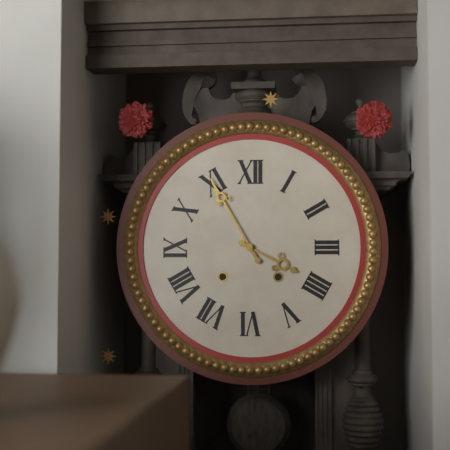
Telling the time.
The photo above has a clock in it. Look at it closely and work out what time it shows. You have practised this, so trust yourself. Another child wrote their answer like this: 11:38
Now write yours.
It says 3:55
